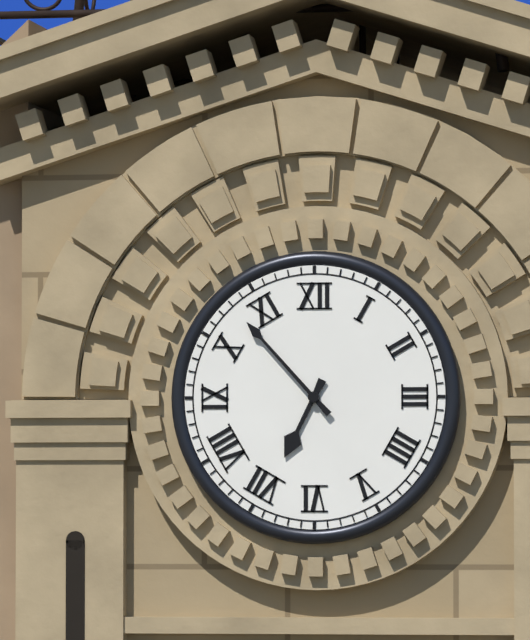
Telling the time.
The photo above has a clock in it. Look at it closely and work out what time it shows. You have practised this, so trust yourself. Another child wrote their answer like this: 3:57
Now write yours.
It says 6:53
